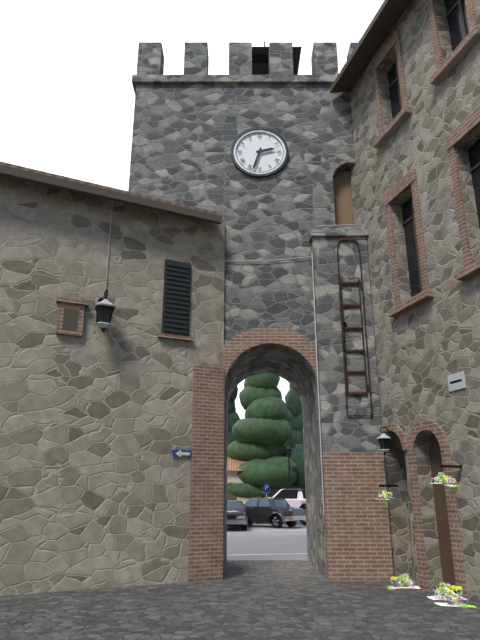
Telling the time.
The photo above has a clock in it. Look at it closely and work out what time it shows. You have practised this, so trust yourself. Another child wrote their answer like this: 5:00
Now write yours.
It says 2:33
